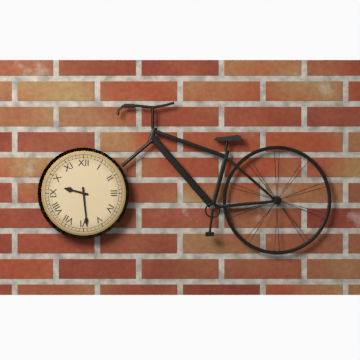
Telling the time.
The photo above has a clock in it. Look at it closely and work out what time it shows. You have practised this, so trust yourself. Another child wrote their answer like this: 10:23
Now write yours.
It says 9:29
